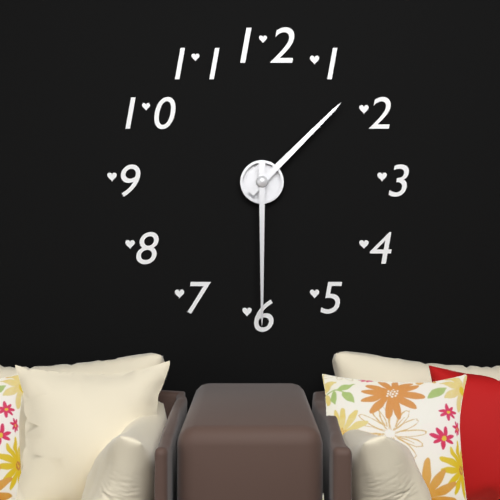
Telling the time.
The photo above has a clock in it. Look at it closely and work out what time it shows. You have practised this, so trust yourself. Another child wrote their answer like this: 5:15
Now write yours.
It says 1:30
